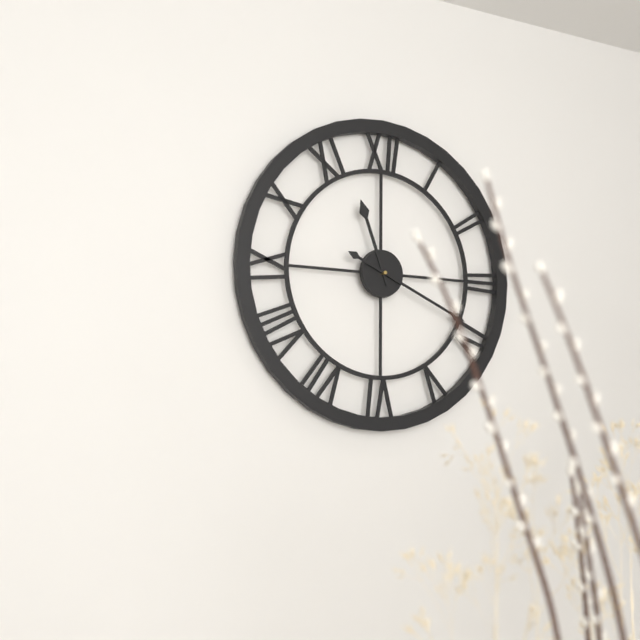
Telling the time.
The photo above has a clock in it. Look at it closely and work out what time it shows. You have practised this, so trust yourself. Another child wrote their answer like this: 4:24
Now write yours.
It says 11:19
